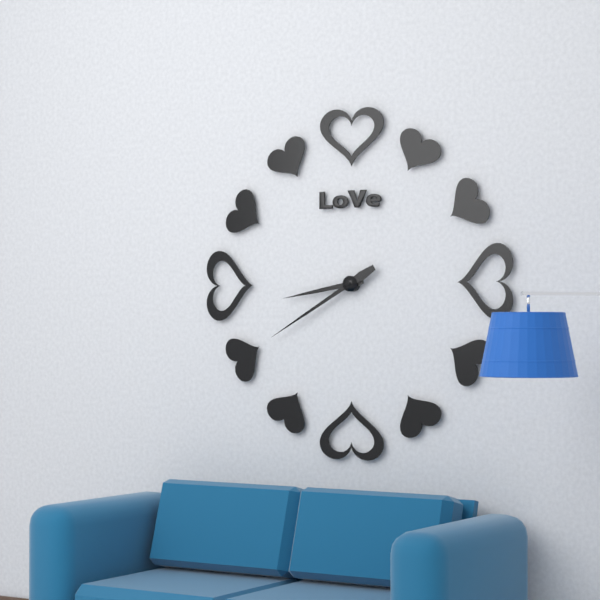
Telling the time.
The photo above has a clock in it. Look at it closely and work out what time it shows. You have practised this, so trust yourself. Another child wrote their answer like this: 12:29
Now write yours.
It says 8:40
